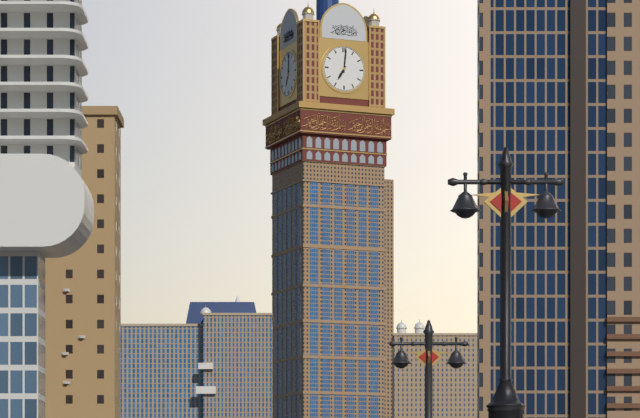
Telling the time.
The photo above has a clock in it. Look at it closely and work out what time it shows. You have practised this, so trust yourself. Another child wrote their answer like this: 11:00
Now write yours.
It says 7:01
